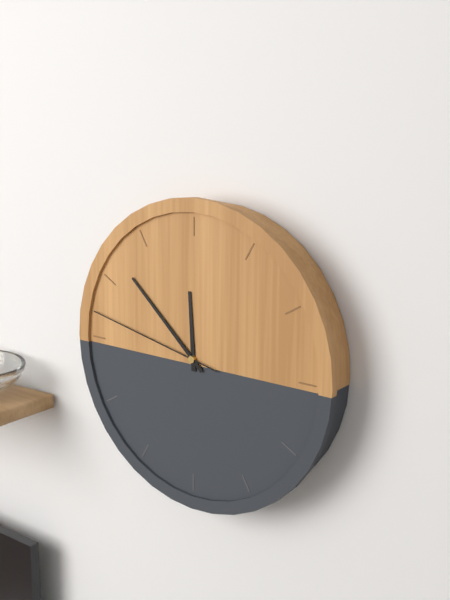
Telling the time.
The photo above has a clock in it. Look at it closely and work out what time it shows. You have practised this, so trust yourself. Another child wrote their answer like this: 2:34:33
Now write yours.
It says 11:52:47
